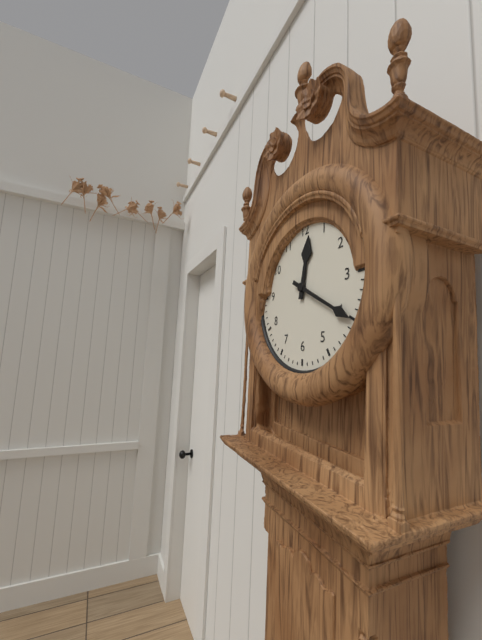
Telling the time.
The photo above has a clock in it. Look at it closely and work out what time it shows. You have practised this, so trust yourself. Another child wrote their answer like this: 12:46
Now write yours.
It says 12:20
